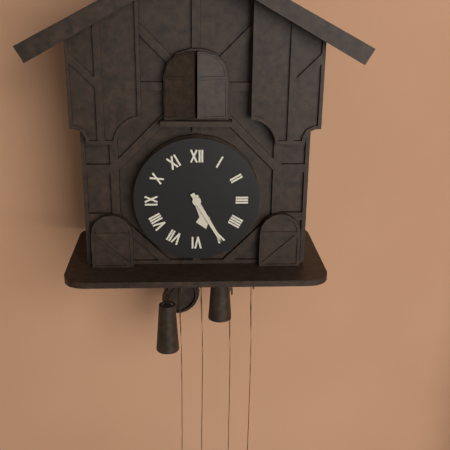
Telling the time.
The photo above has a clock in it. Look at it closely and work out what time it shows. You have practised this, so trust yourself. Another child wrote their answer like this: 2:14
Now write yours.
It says 5:25
